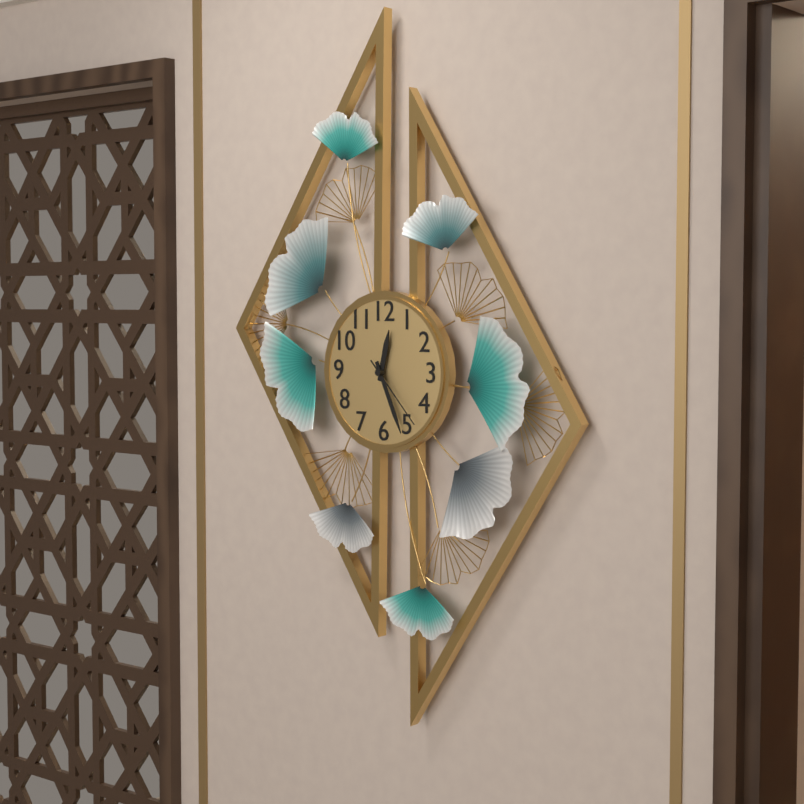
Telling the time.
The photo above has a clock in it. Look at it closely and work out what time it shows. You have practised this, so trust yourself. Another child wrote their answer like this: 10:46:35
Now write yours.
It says 12:26:23
